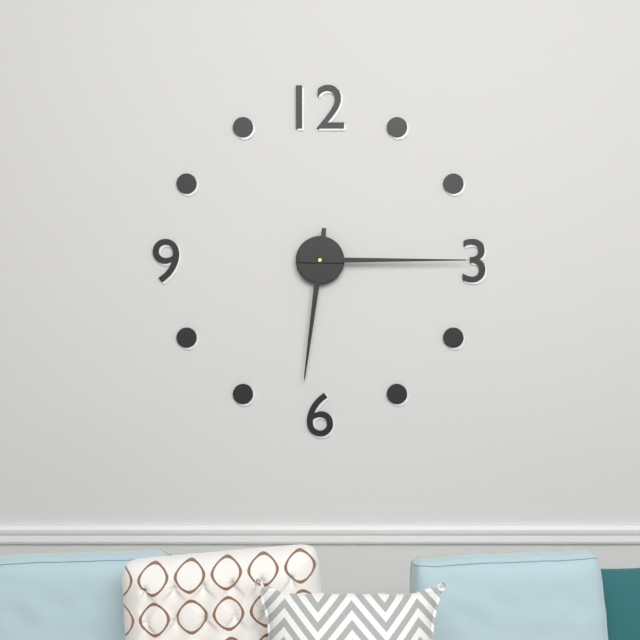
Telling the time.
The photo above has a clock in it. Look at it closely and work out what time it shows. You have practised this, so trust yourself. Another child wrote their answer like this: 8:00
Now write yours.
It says 6:15
